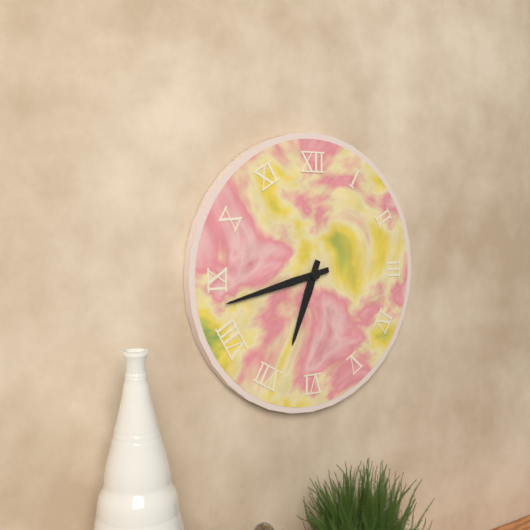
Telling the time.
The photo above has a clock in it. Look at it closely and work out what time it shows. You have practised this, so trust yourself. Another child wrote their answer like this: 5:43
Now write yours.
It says 6:43
